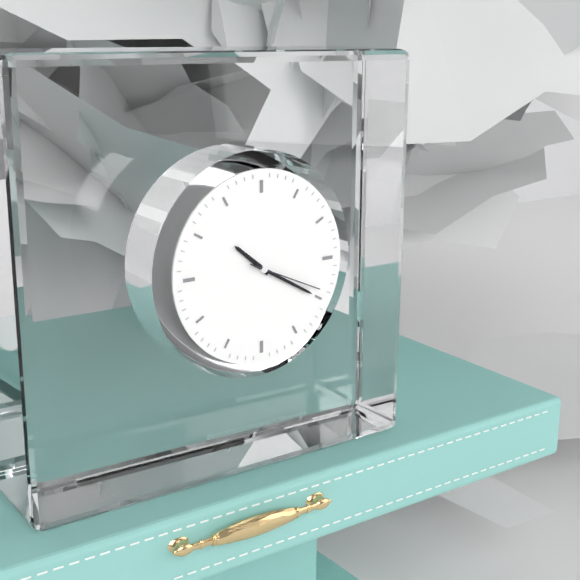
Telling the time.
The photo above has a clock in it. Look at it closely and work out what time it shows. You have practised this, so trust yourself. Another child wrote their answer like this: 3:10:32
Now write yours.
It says 10:20:19
